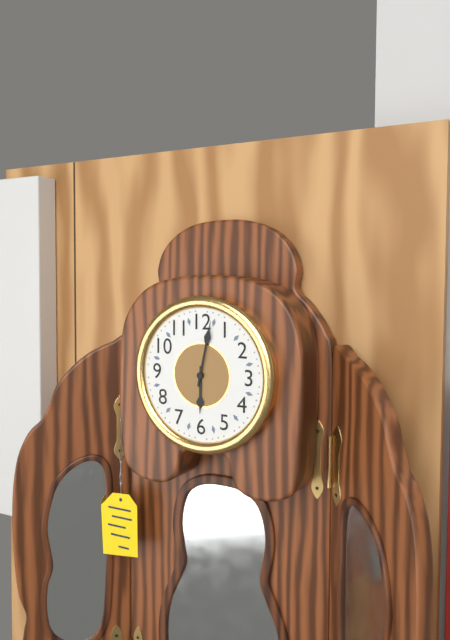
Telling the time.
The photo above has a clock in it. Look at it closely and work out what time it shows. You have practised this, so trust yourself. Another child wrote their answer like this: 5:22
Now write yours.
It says 6:02
